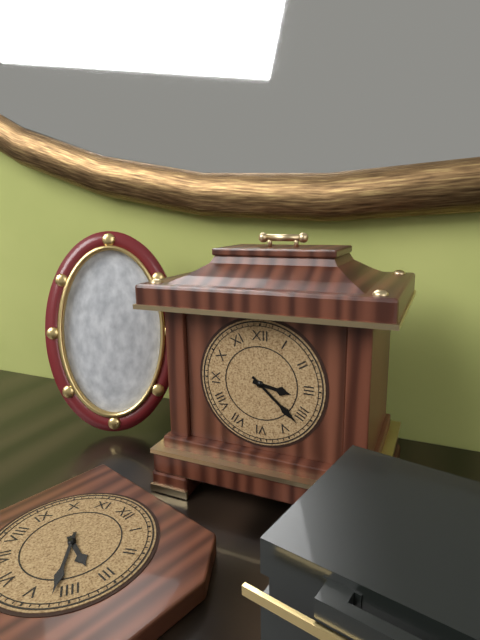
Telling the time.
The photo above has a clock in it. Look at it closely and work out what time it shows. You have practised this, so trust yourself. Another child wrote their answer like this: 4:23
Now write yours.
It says 3:22
